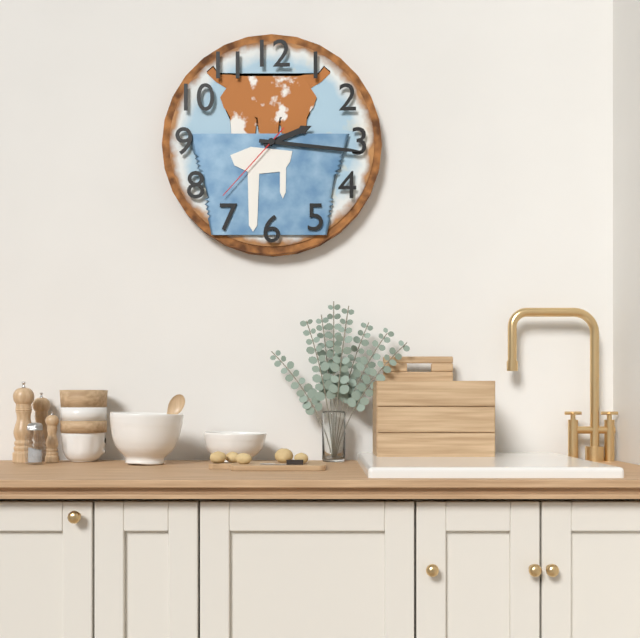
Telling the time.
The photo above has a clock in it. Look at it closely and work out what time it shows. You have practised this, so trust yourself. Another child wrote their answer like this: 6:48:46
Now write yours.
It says 2:16:37
